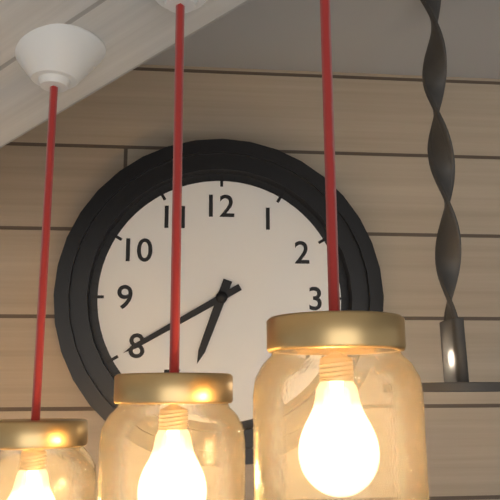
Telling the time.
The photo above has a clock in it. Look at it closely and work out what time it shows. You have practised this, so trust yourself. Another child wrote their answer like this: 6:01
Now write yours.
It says 6:40
